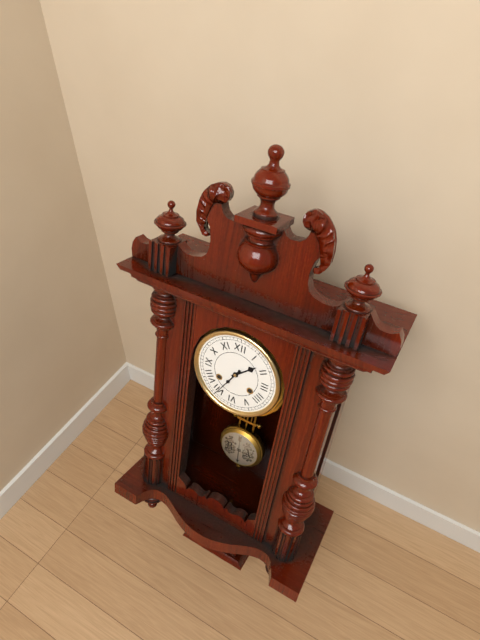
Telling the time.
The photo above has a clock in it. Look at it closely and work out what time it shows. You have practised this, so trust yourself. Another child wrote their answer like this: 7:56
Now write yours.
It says 1:35
